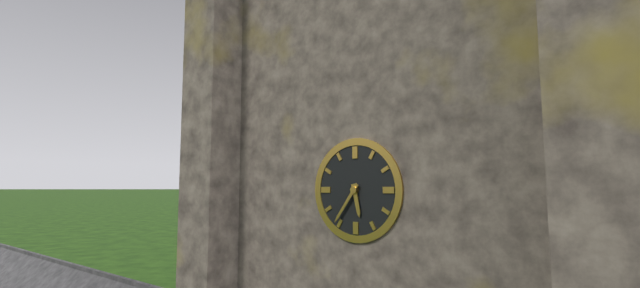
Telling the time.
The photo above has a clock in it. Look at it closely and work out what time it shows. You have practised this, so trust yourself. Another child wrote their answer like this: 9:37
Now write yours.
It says 5:36
